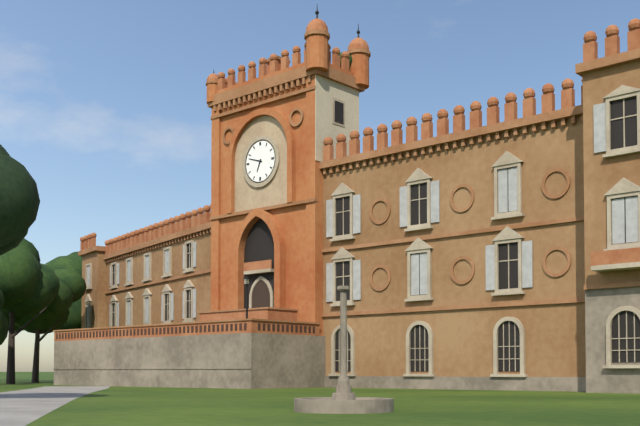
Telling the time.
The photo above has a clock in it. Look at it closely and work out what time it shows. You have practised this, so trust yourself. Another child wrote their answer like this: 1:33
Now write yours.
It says 6:48
